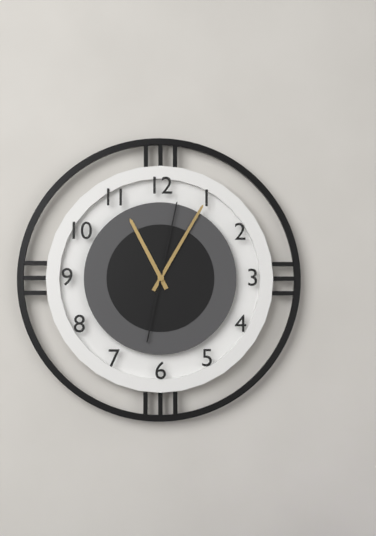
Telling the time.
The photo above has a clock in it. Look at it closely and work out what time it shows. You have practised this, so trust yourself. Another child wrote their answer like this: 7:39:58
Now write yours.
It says 11:05:02
